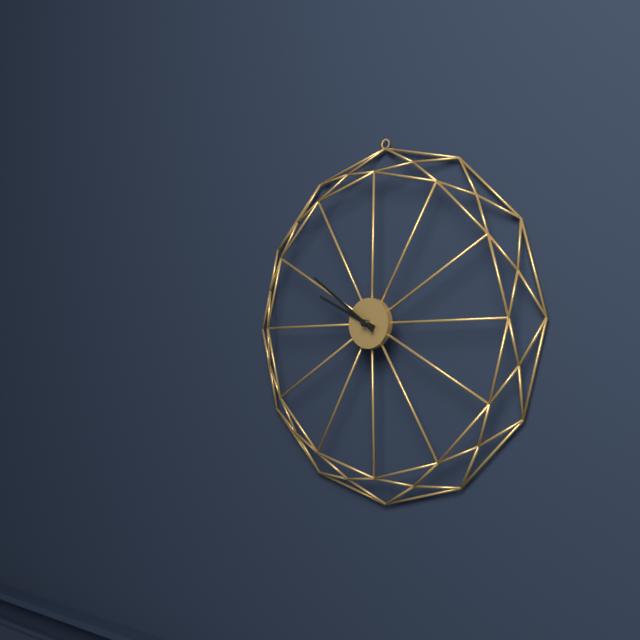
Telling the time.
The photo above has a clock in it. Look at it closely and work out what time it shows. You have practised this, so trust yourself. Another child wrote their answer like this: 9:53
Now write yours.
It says 9:51
